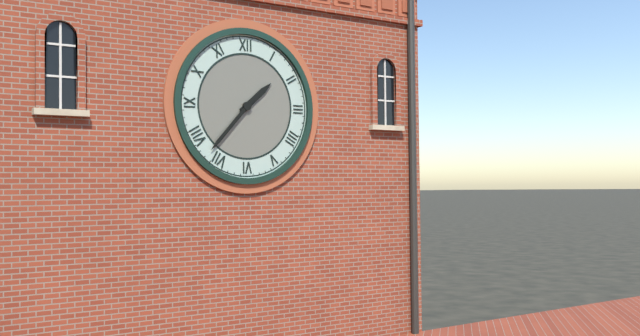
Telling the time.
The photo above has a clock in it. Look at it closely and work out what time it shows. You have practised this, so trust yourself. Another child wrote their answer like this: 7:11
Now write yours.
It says 1:37
